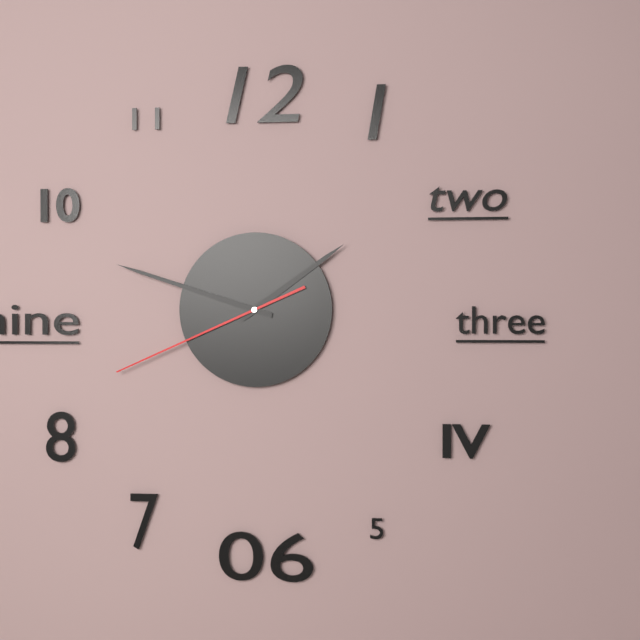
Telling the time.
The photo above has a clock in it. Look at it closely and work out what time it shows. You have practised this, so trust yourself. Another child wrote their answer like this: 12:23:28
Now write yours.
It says 1:48:41
